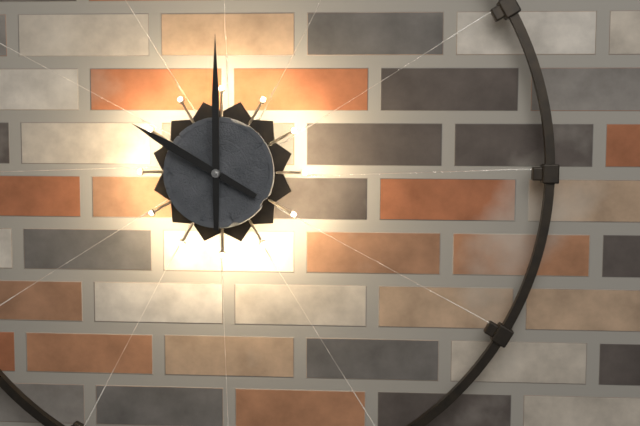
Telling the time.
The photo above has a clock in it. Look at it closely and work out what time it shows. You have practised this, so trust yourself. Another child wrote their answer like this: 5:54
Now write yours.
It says 10:00
